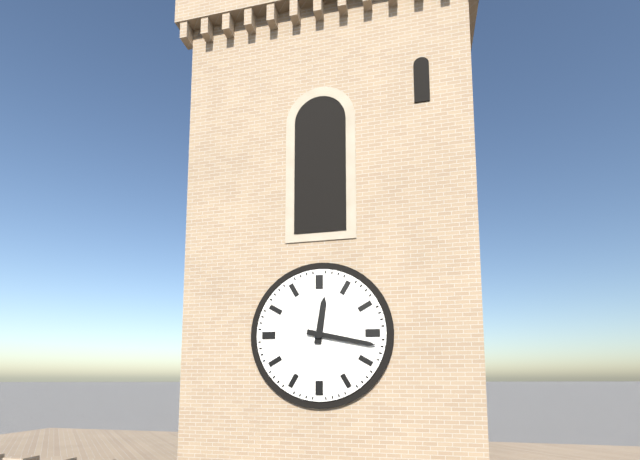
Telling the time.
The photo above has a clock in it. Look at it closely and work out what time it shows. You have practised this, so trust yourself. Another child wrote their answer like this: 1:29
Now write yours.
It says 12:17
